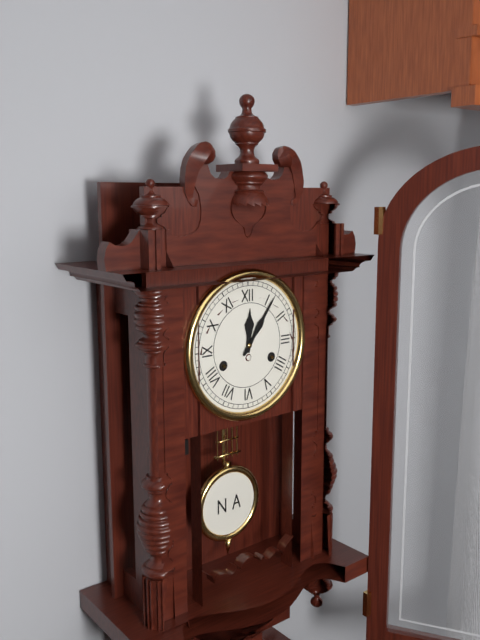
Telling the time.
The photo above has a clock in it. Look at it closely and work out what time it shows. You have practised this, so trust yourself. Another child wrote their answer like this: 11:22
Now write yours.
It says 12:06
